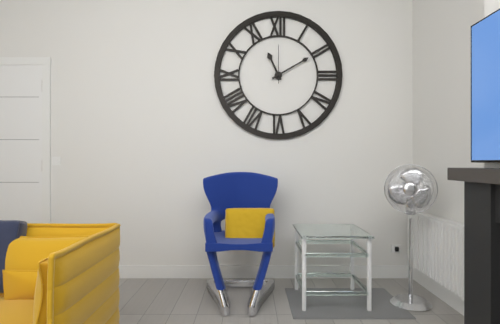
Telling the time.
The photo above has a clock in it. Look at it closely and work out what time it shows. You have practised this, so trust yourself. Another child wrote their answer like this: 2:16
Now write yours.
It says 11:10
